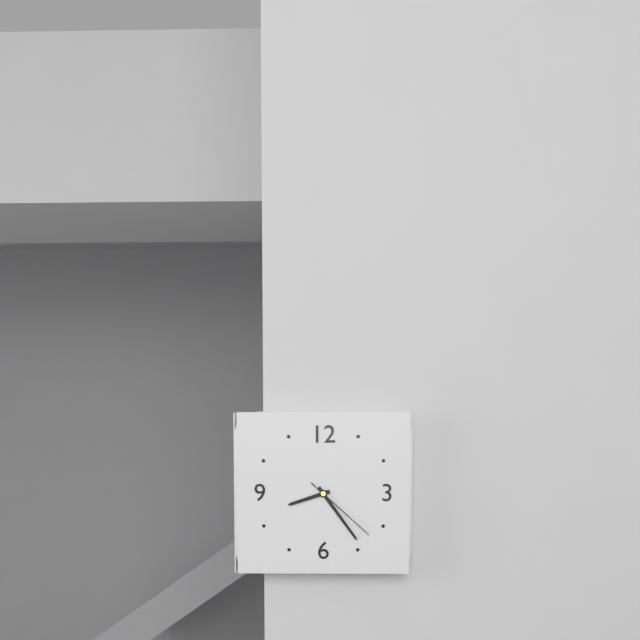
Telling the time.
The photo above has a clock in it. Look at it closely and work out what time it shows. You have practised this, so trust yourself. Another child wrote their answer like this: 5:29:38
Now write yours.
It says 8:24:22
